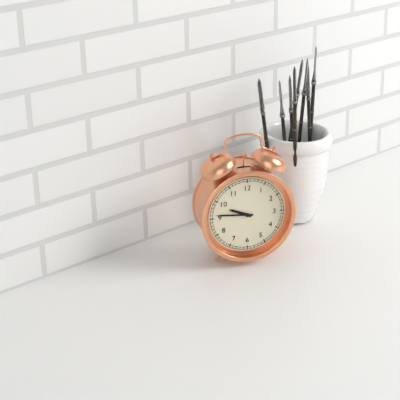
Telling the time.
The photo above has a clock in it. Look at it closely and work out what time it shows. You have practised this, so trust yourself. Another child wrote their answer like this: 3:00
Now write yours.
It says 9:46
